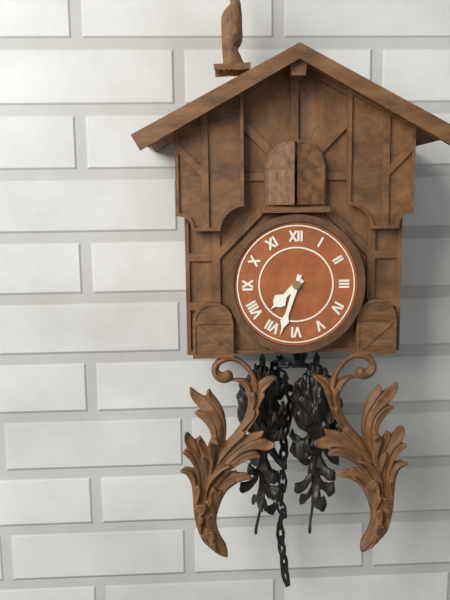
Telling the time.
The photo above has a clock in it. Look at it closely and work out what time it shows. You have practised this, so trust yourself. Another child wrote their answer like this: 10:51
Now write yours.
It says 7:33
